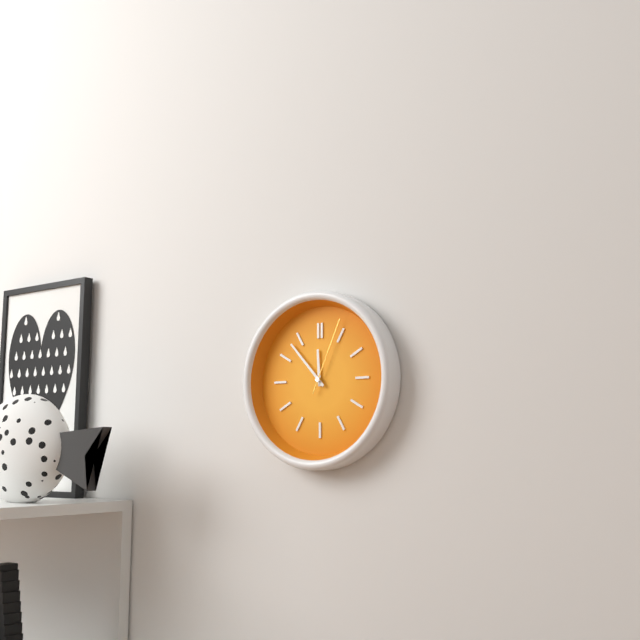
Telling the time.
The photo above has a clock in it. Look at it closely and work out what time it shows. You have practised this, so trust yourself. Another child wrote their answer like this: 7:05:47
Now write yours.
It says 11:53:04
